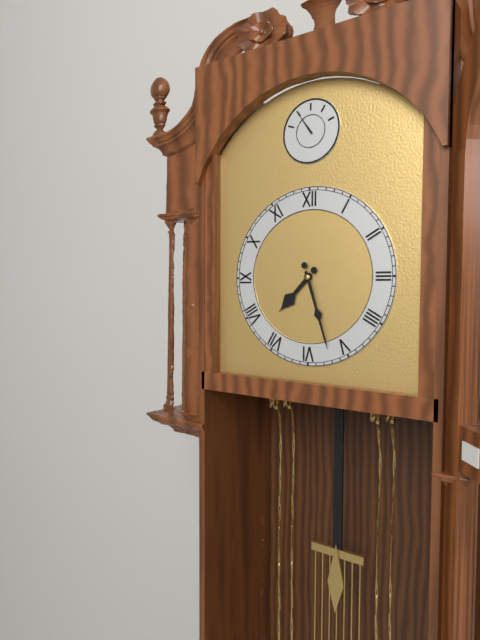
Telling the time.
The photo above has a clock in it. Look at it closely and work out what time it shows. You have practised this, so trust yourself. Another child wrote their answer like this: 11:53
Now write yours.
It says 7:27
